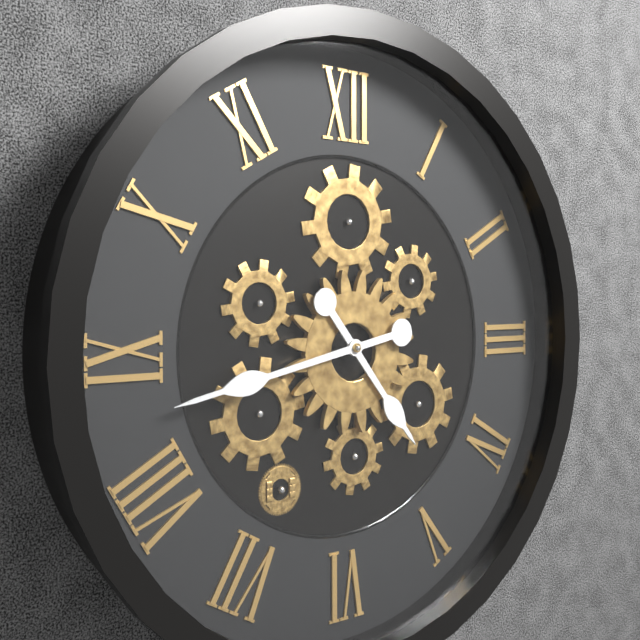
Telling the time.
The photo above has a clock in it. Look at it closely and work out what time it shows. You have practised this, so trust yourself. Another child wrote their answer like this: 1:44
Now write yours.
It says 4:43
